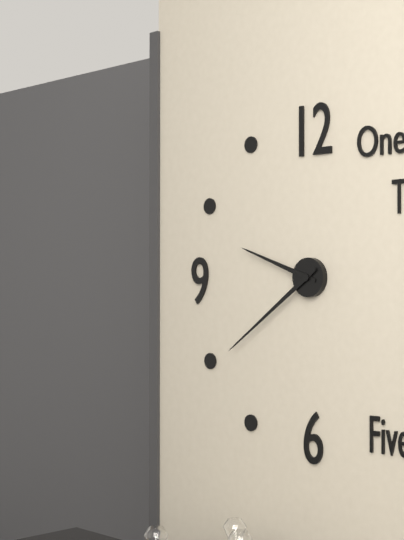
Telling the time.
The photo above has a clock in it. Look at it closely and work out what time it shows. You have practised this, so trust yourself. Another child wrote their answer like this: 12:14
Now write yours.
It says 9:39
